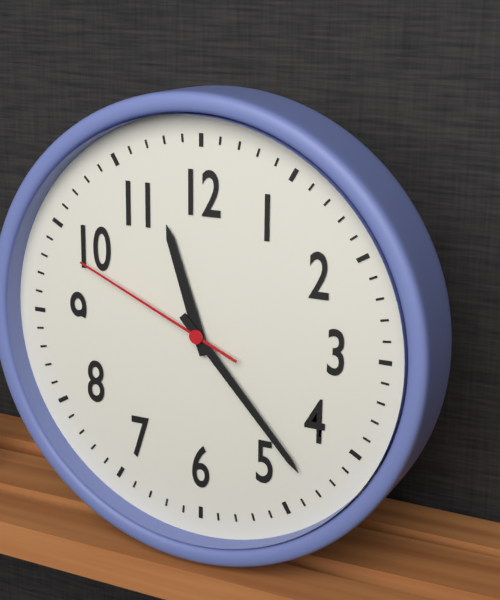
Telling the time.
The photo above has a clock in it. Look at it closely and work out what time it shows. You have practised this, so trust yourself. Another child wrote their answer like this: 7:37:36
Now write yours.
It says 11:23:49
